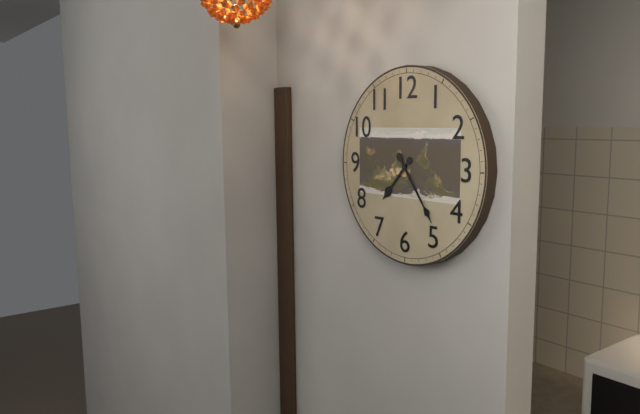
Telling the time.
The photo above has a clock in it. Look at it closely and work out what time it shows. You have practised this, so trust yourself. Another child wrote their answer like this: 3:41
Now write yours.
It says 7:24
